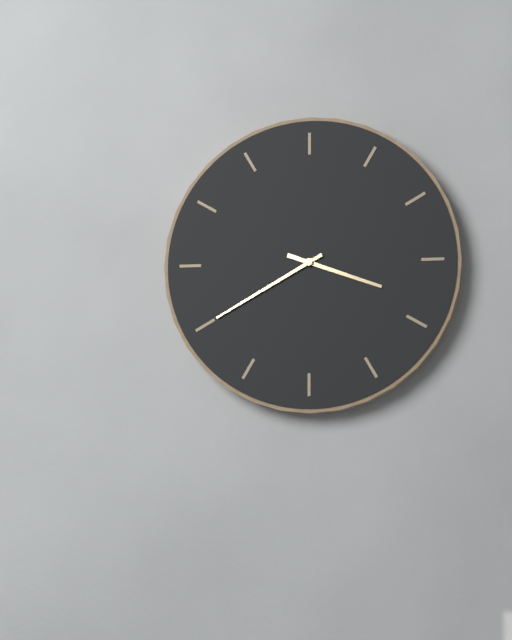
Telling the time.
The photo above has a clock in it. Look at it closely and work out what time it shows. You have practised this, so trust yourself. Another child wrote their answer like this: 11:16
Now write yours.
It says 3:40
